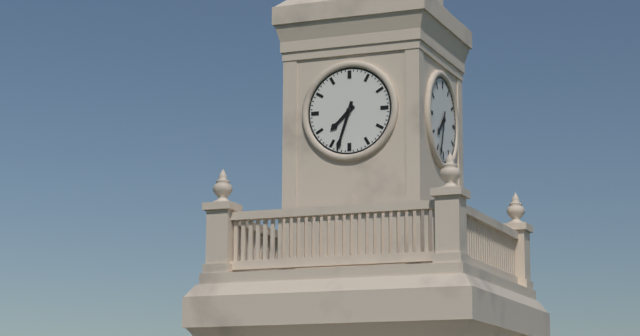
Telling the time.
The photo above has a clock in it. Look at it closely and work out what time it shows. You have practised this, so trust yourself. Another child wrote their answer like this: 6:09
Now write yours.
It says 7:33
